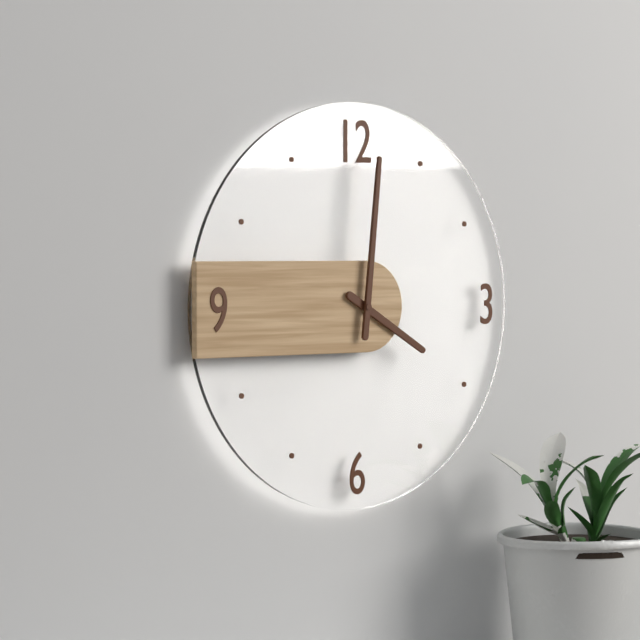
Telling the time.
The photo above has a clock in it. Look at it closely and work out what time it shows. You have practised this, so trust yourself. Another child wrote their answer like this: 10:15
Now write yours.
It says 4:01
